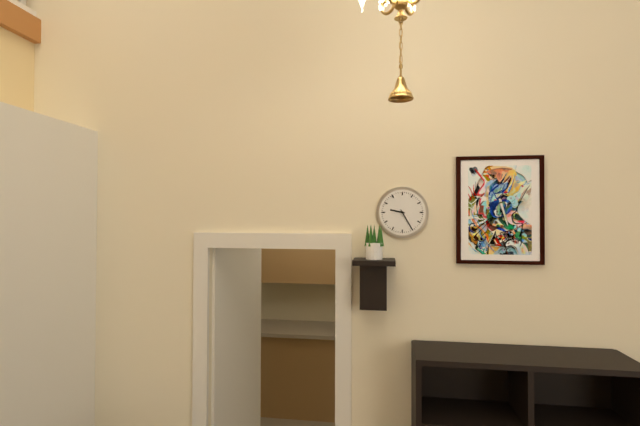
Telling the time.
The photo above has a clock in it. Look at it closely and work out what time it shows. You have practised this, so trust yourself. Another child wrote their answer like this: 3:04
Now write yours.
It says 9:25
